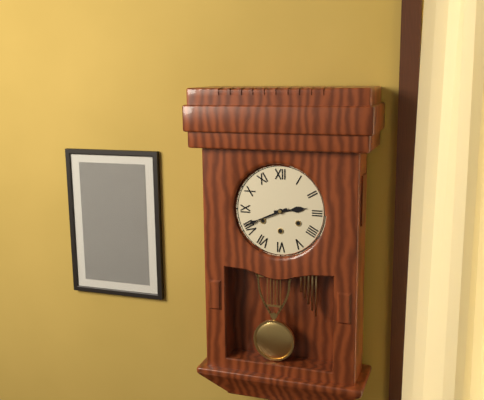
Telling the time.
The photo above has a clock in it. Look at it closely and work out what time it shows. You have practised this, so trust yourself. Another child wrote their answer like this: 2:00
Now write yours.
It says 2:41
